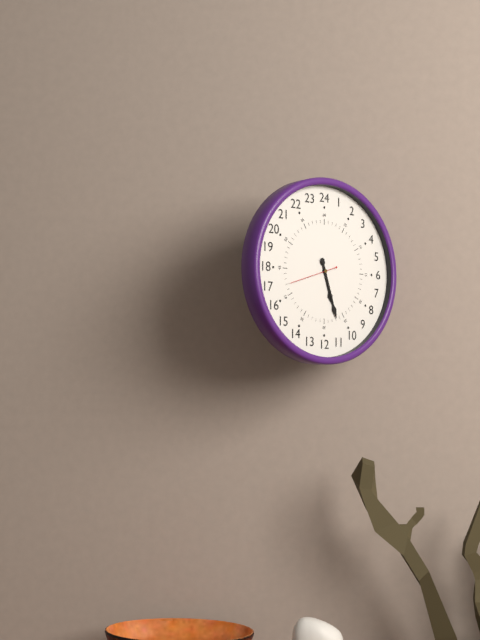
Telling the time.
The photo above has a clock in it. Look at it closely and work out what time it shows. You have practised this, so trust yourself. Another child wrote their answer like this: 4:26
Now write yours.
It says 5:27
